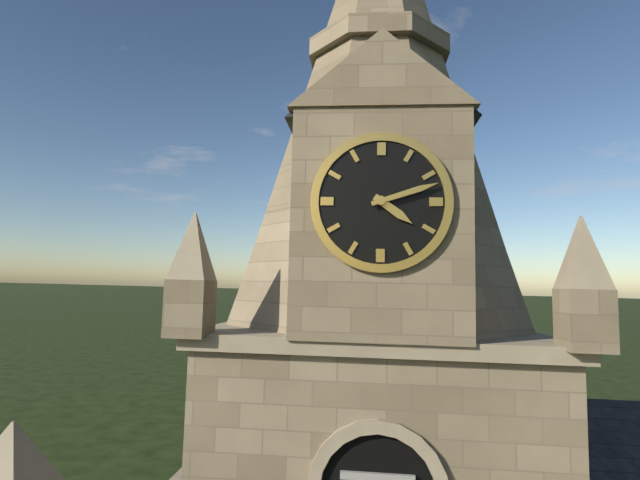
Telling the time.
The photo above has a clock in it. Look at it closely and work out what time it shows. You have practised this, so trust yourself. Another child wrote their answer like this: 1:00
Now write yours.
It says 4:12
